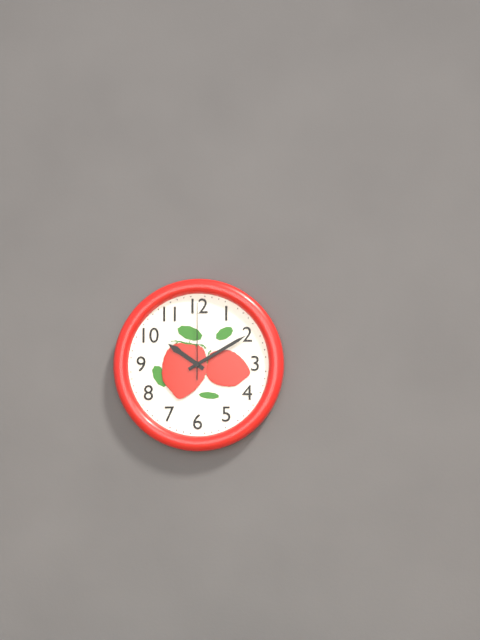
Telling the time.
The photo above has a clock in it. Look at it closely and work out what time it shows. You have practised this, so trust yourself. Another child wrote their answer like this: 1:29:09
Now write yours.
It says 10:10:00
